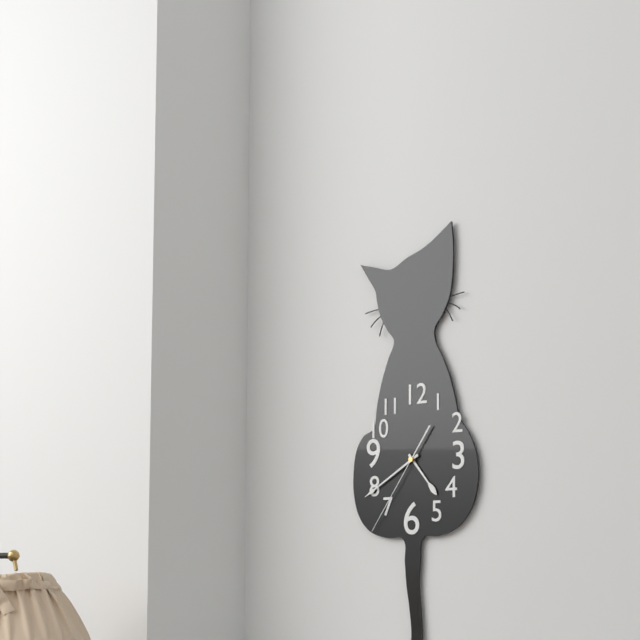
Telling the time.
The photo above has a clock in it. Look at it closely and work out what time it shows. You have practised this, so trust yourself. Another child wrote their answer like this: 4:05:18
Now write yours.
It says 4:40:36
